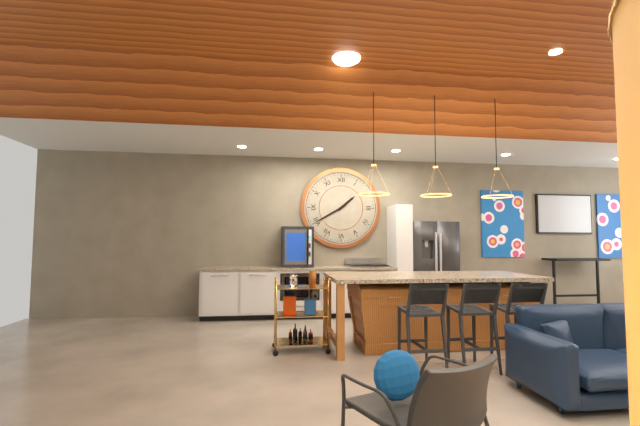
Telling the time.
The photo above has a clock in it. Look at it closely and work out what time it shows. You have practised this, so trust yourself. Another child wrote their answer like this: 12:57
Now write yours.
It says 1:40
